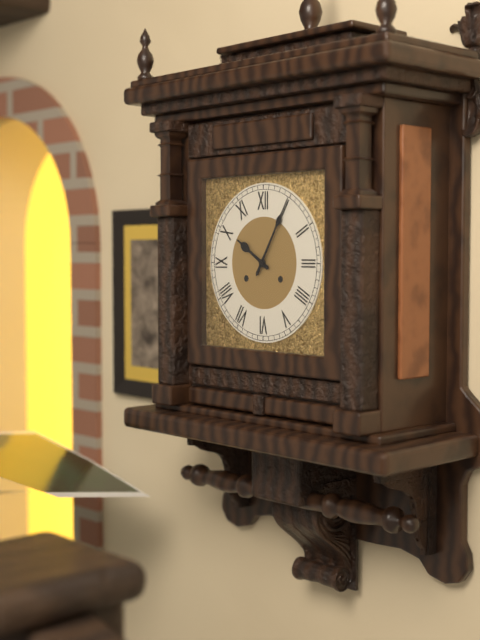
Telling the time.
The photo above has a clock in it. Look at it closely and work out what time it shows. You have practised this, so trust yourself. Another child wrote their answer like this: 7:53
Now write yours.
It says 10:05
